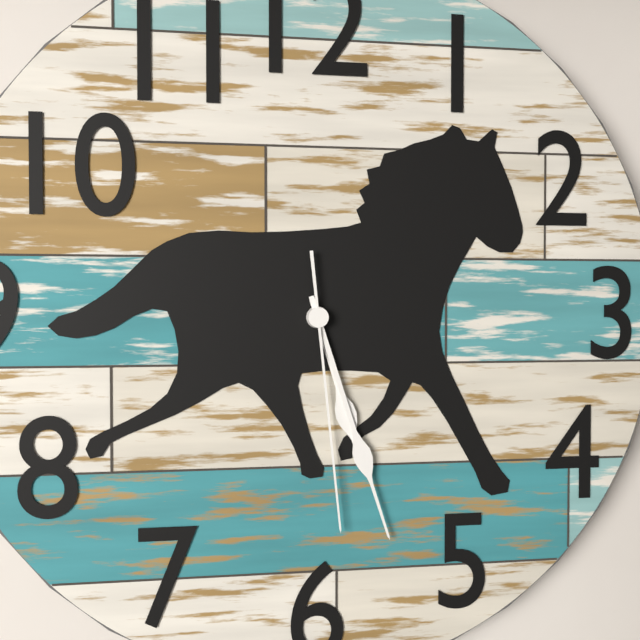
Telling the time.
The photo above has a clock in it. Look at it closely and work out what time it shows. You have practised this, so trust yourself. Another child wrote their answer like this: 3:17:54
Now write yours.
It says 5:27:29
